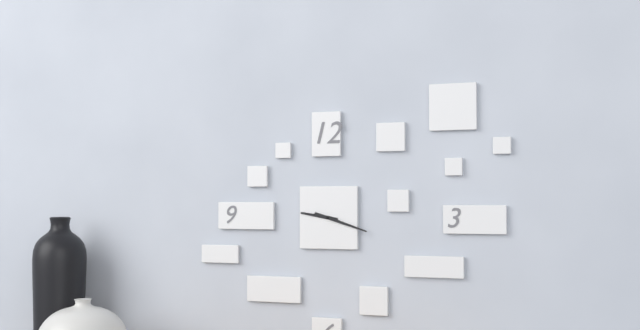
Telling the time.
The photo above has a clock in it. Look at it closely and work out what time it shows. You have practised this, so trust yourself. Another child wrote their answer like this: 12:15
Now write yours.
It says 9:18
